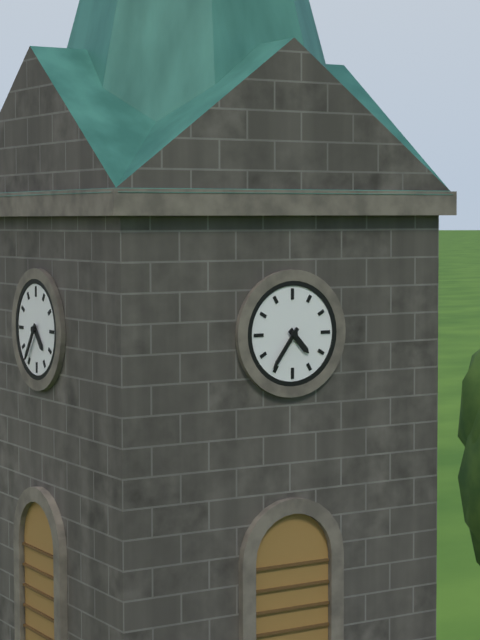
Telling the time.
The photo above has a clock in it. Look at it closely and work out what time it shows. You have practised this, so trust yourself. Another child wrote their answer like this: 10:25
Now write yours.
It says 4:36
